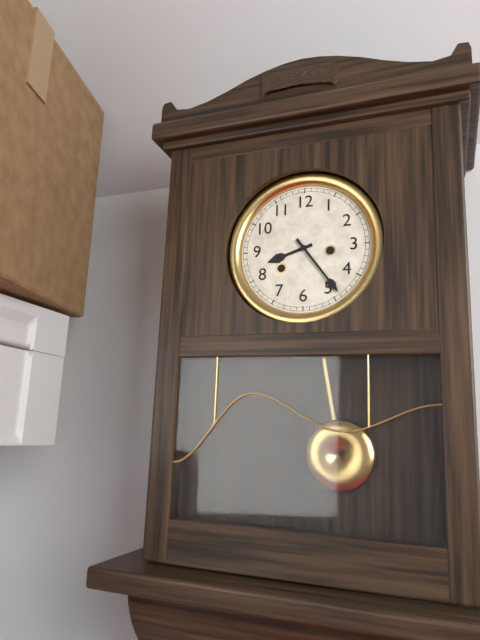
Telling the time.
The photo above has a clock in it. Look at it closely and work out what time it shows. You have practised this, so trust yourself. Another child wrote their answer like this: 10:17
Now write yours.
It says 8:24
